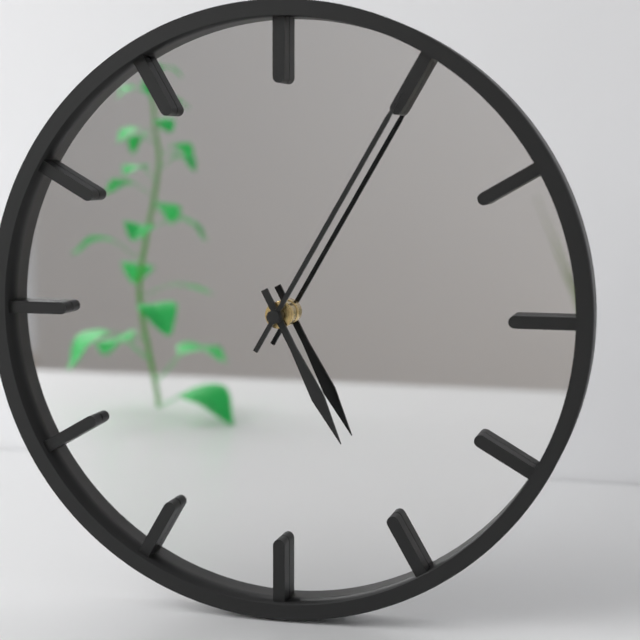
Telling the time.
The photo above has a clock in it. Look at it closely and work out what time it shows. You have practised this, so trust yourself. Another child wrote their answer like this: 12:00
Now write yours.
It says 5:05
